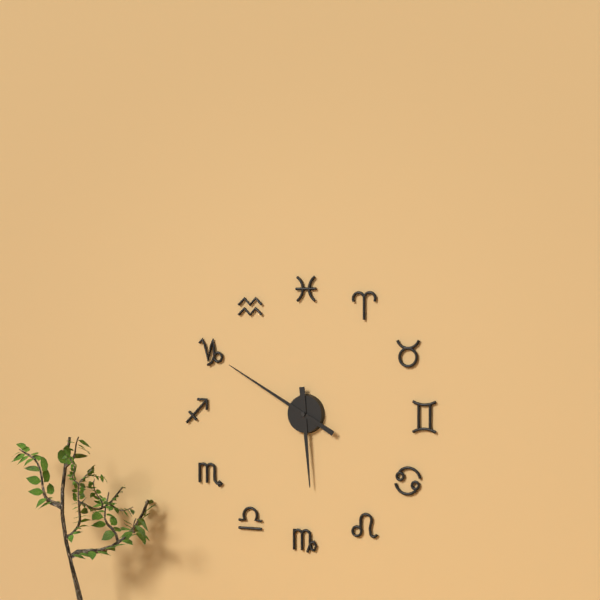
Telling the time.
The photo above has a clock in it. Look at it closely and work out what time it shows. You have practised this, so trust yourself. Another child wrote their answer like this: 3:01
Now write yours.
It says 5:50
